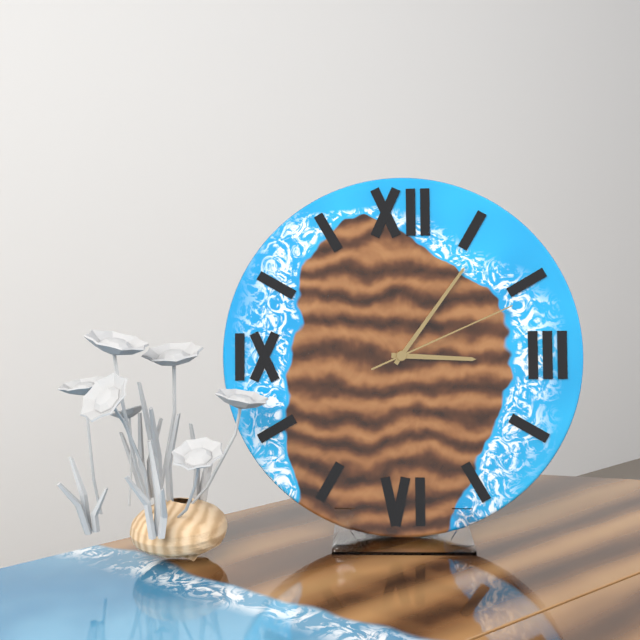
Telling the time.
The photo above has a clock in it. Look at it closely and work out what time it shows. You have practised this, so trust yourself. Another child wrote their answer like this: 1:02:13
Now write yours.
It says 3:06:11
